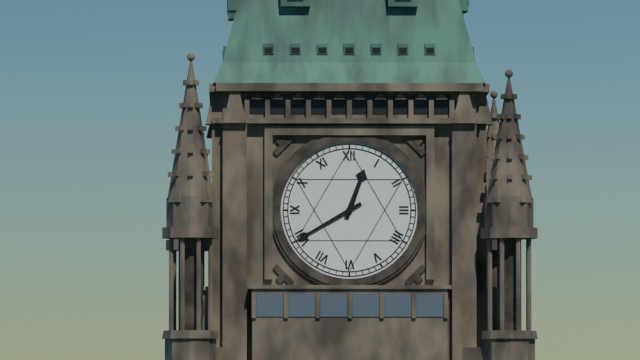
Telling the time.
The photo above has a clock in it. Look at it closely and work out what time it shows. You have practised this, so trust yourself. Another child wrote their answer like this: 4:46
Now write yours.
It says 12:40
